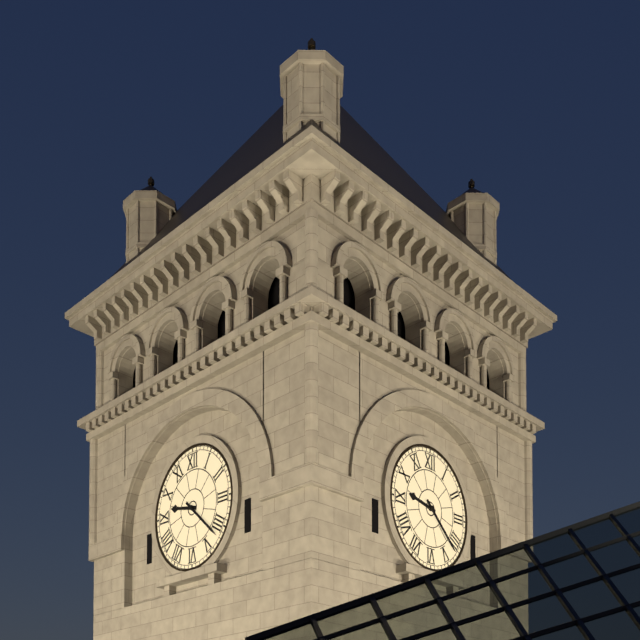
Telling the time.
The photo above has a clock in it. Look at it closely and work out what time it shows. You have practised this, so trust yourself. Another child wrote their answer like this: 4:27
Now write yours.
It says 9:22
